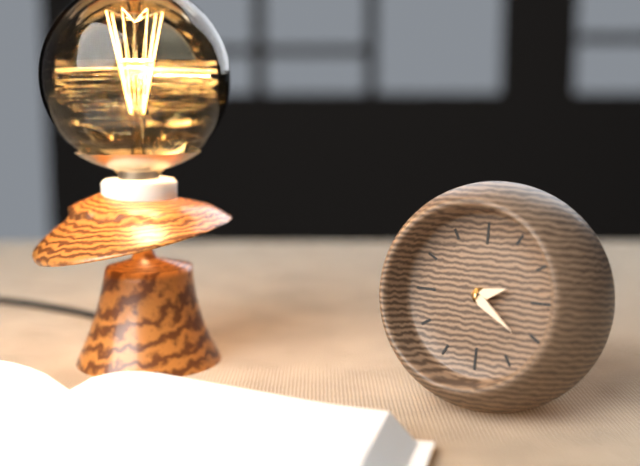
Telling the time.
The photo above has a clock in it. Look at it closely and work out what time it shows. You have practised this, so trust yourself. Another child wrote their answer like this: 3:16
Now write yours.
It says 2:21
